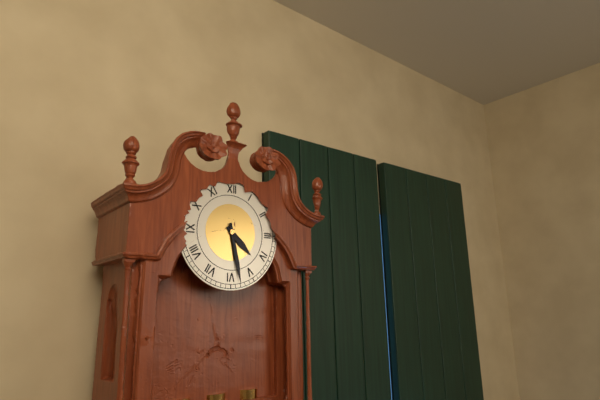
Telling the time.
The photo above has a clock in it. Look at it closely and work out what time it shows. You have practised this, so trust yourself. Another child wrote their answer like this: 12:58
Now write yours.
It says 4:28
